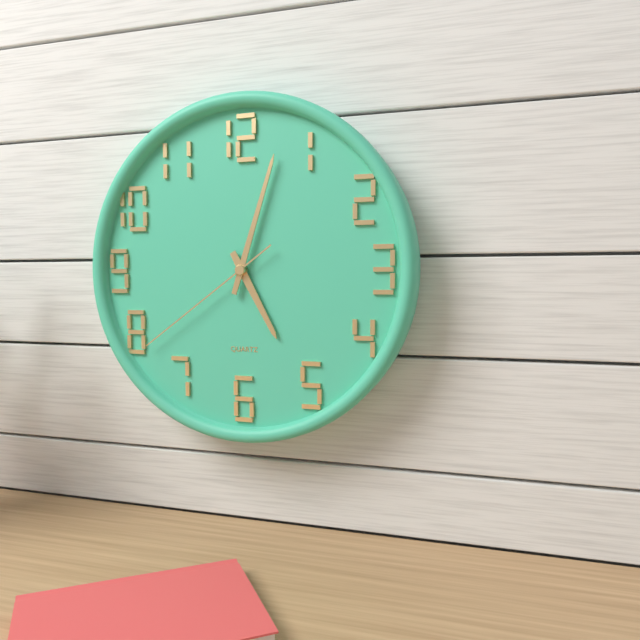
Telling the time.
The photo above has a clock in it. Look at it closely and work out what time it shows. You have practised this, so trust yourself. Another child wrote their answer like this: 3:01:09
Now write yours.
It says 5:03:39
